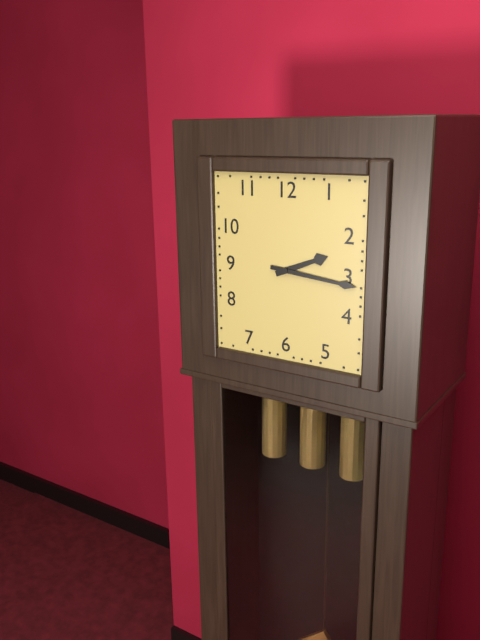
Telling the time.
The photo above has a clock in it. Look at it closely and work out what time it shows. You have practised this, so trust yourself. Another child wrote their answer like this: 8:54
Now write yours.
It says 2:16
